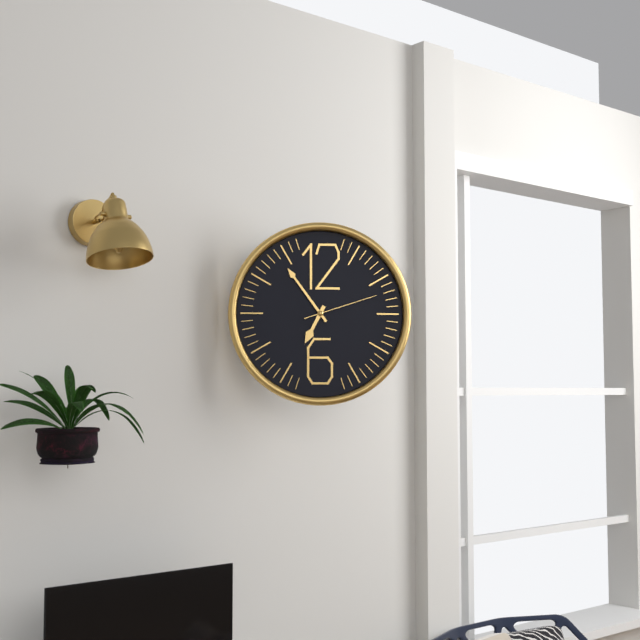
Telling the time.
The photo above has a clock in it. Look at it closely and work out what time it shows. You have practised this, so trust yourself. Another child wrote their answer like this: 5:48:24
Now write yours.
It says 6:54:12
